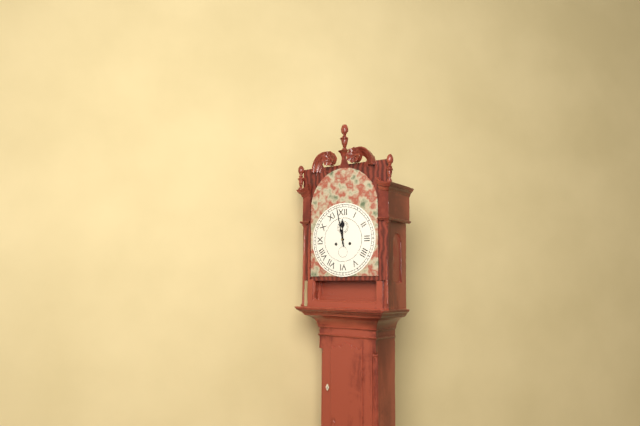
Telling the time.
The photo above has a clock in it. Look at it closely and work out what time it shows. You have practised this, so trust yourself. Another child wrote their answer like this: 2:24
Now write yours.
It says 11:58
